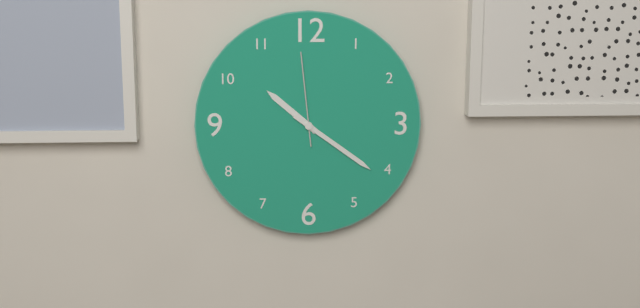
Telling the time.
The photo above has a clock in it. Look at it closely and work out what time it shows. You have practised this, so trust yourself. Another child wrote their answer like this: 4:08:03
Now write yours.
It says 10:21:59
